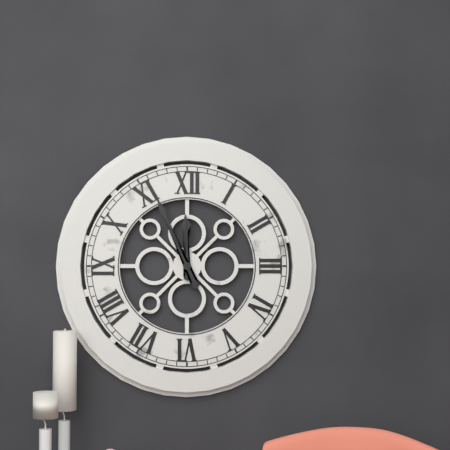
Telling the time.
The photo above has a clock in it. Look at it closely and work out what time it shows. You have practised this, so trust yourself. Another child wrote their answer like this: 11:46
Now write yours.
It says 11:56
